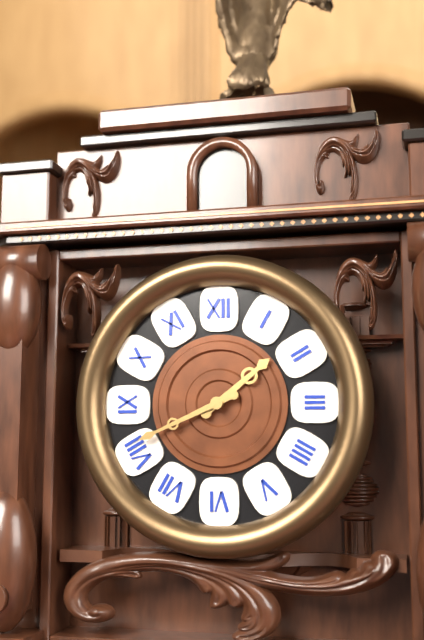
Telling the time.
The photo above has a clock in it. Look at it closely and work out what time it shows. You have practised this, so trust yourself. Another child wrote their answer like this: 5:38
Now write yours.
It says 1:41
